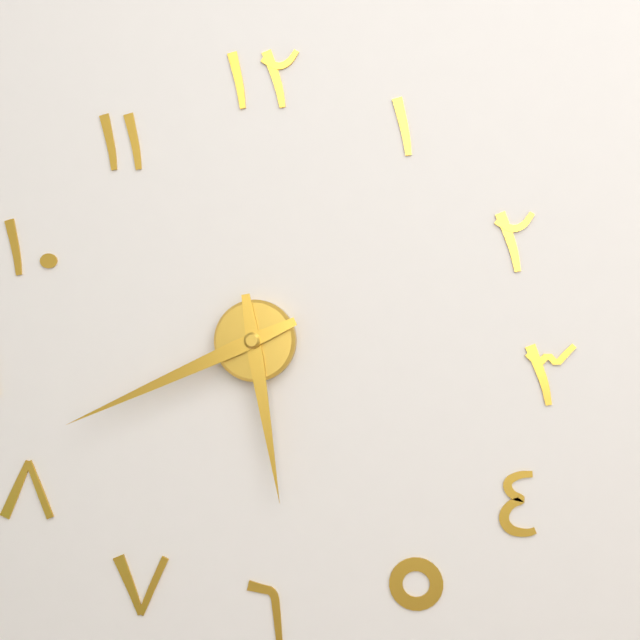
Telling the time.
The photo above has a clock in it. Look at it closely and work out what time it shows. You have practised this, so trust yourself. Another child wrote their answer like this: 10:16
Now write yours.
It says 5:41
